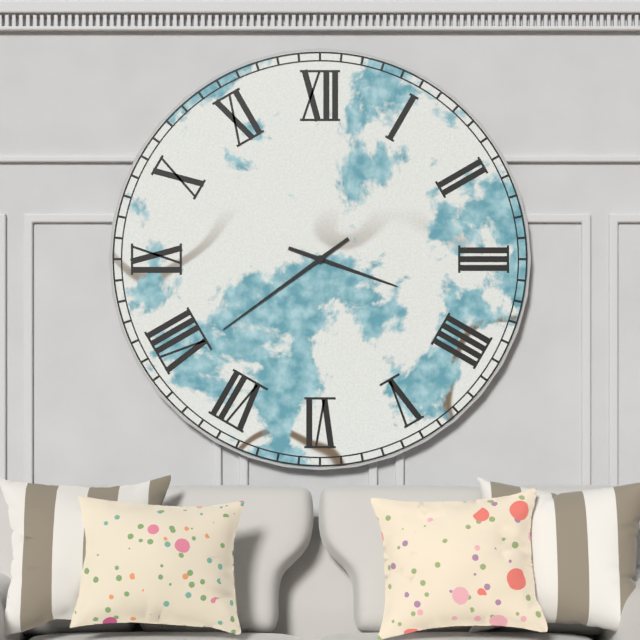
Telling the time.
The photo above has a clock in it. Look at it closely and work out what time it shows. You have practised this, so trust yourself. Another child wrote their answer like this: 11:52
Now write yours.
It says 3:39
